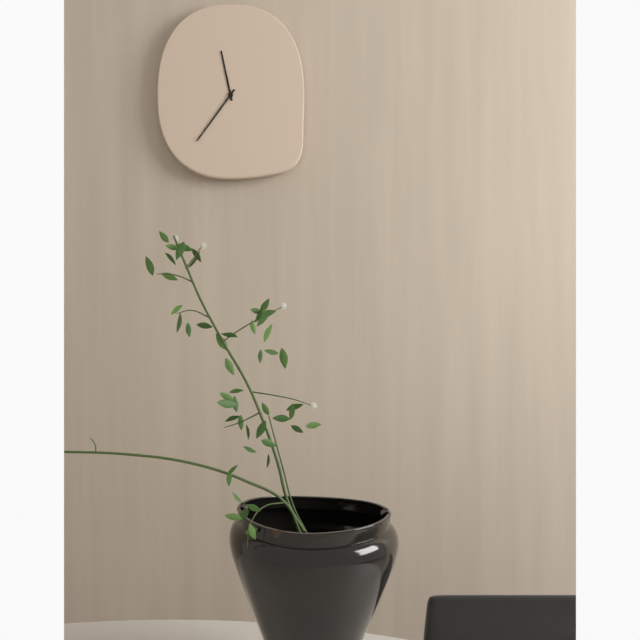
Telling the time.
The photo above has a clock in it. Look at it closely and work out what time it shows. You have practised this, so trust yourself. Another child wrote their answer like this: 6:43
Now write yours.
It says 11:36
